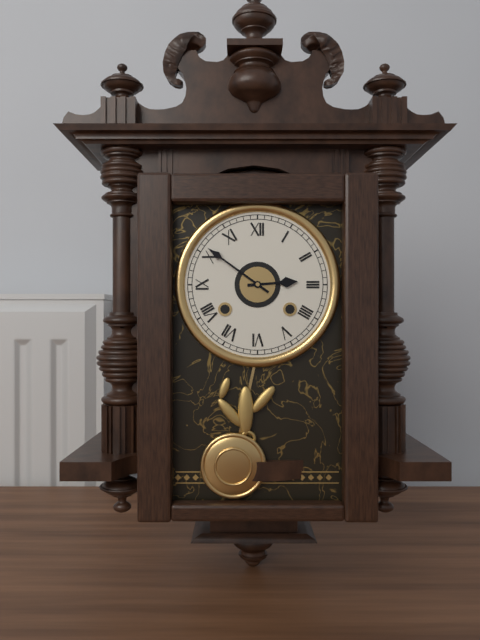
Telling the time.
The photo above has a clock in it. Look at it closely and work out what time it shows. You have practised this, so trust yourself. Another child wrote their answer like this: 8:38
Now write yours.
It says 2:51
